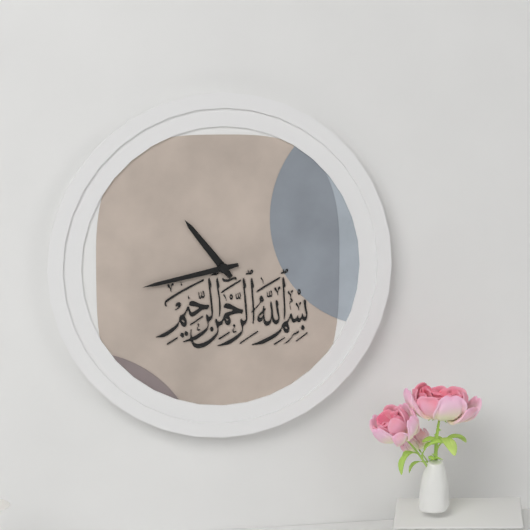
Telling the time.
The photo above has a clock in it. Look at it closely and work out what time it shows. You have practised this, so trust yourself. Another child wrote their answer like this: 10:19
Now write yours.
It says 10:43
